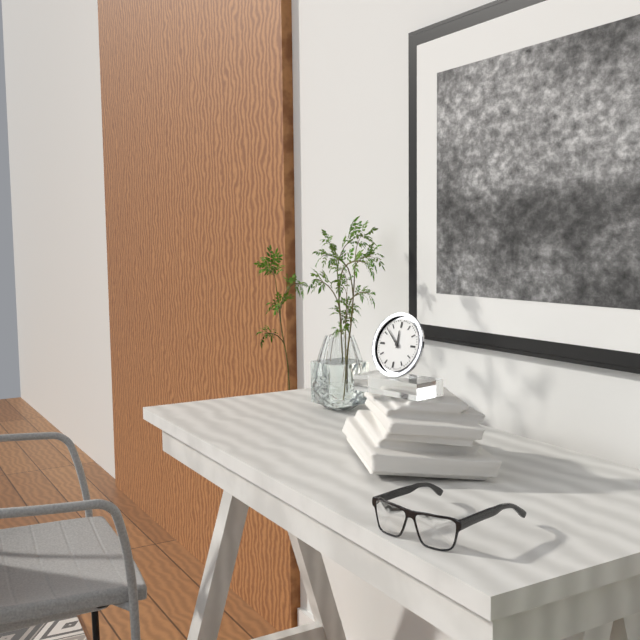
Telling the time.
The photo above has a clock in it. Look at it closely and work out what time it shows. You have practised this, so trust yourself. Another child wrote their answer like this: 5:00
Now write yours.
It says 11:52
